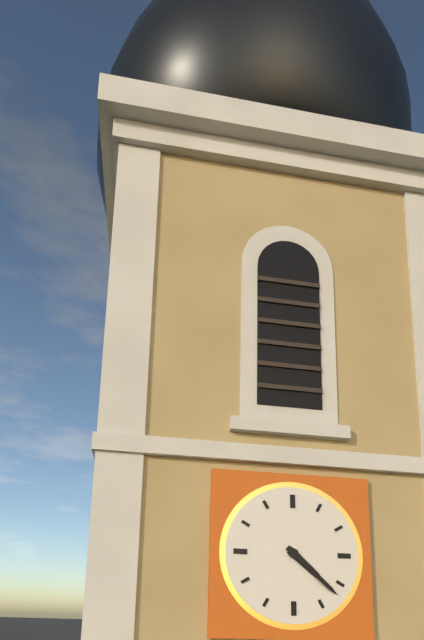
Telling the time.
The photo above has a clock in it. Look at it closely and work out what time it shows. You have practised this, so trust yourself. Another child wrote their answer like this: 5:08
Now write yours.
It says 4:22
